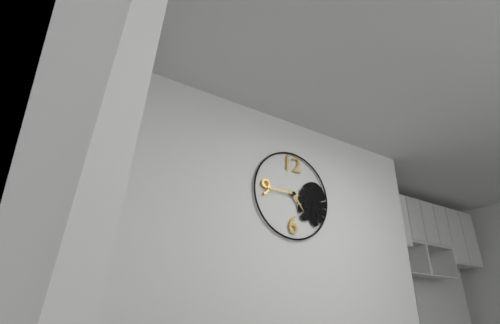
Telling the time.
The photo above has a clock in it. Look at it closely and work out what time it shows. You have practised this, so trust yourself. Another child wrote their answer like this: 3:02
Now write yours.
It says 4:45
